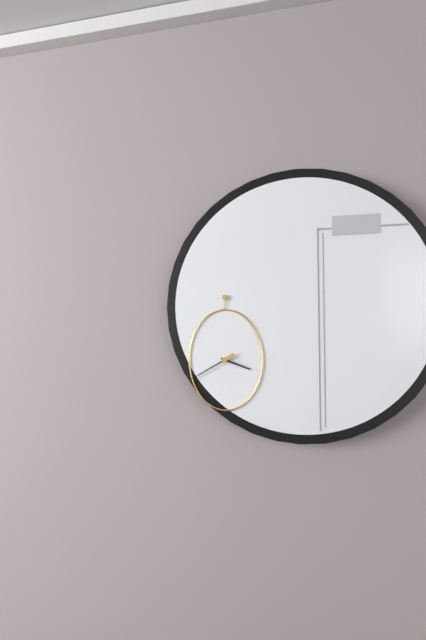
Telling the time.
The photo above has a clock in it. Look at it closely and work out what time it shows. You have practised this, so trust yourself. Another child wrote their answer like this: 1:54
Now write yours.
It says 3:40
